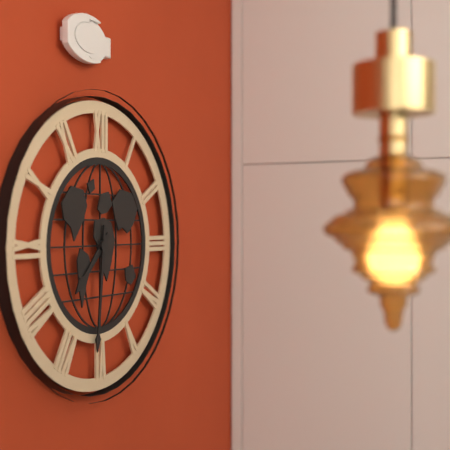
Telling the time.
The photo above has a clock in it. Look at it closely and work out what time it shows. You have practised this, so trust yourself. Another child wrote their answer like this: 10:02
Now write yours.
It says 7:31
